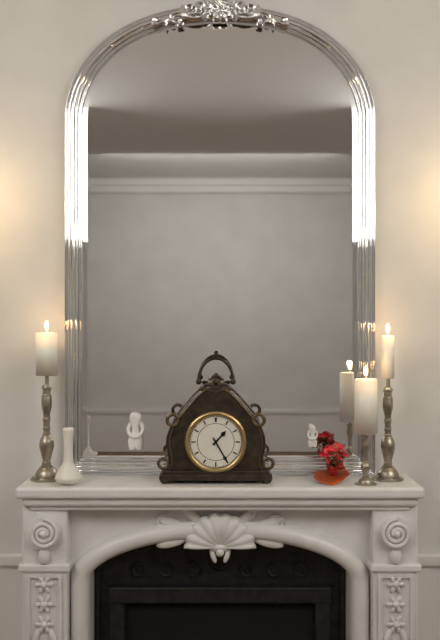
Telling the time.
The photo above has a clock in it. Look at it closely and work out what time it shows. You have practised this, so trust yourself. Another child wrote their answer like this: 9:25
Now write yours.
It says 1:25
